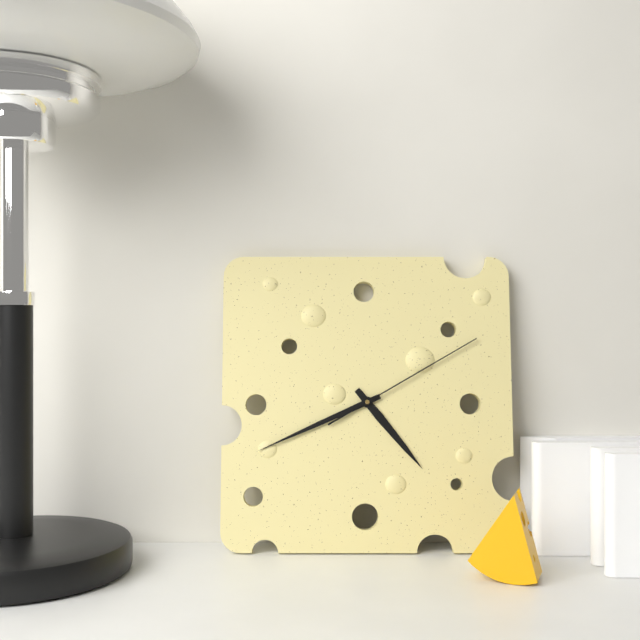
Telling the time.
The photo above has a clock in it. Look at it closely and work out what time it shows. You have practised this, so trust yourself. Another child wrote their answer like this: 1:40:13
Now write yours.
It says 4:41:10
